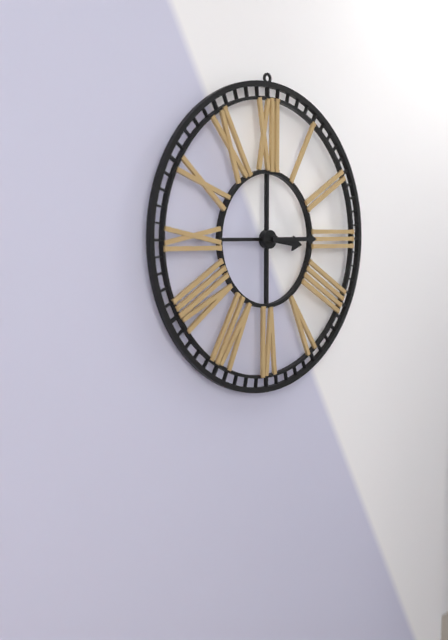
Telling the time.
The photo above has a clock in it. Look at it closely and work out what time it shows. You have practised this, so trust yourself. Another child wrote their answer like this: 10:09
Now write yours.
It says 3:15
